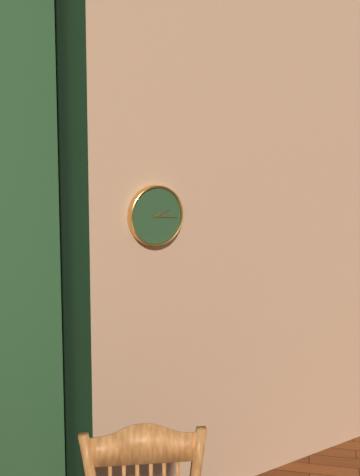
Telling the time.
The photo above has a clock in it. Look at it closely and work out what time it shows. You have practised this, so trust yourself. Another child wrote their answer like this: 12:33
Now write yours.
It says 2:16
